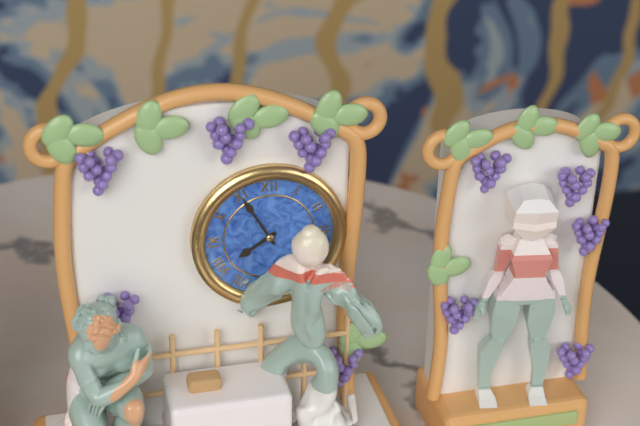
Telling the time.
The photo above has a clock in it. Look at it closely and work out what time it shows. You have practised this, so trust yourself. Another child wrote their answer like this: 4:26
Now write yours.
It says 7:55
